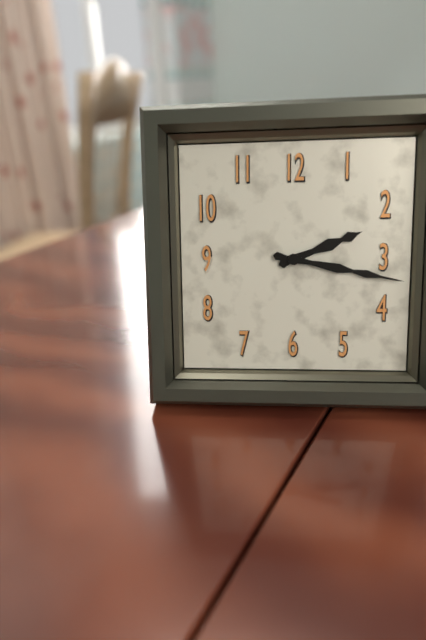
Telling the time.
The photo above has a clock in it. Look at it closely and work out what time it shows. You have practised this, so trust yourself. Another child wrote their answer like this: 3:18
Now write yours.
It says 2:17
